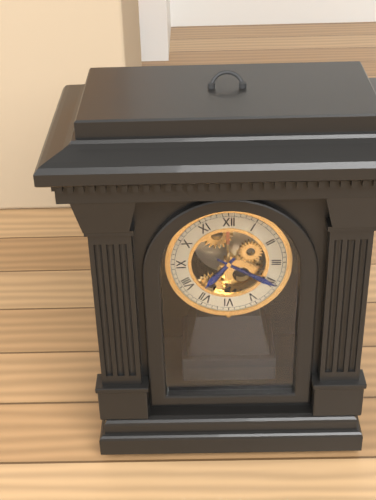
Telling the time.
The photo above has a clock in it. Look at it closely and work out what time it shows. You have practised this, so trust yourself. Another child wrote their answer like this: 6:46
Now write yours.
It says 7:20
